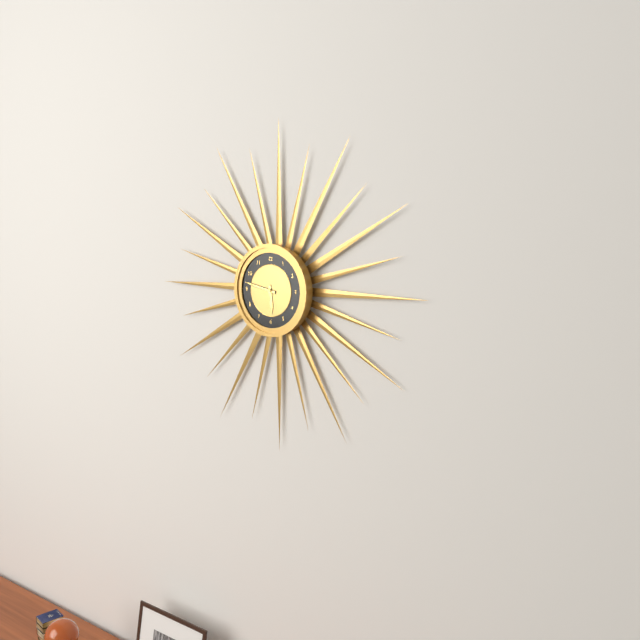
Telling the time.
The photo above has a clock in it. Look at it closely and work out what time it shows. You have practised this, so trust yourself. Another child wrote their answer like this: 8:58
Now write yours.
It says 5:47
